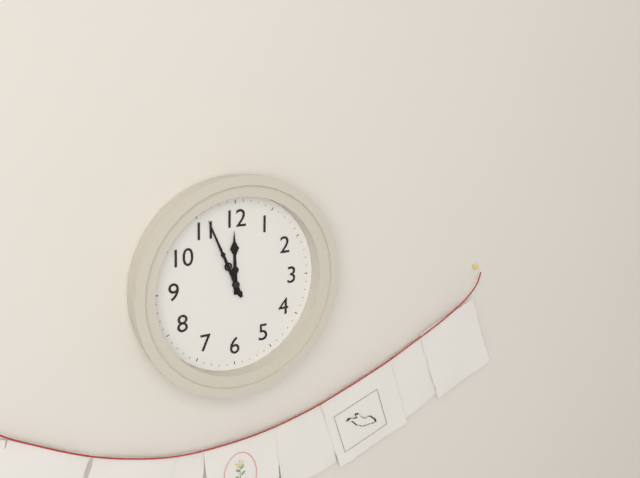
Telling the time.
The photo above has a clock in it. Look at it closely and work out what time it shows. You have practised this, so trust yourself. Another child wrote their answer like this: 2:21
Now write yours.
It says 11:56
